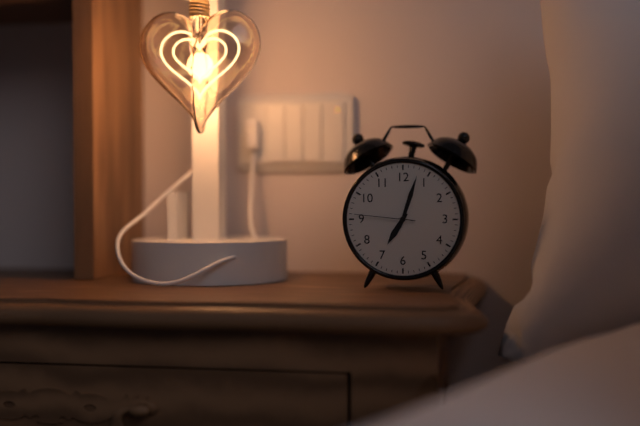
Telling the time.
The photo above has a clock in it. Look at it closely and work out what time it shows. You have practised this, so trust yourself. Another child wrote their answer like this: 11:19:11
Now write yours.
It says 7:03:46
